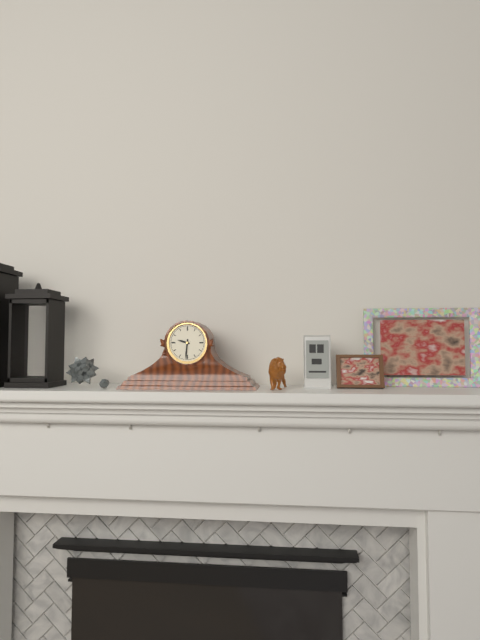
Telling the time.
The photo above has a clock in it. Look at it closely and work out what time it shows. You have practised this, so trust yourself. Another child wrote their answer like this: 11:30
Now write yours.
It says 9:31
